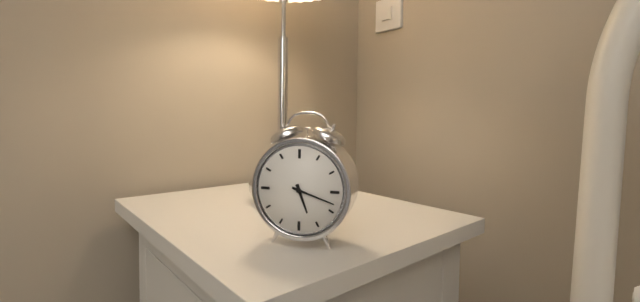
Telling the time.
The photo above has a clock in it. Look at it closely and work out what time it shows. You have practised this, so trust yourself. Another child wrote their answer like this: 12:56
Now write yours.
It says 5:18
